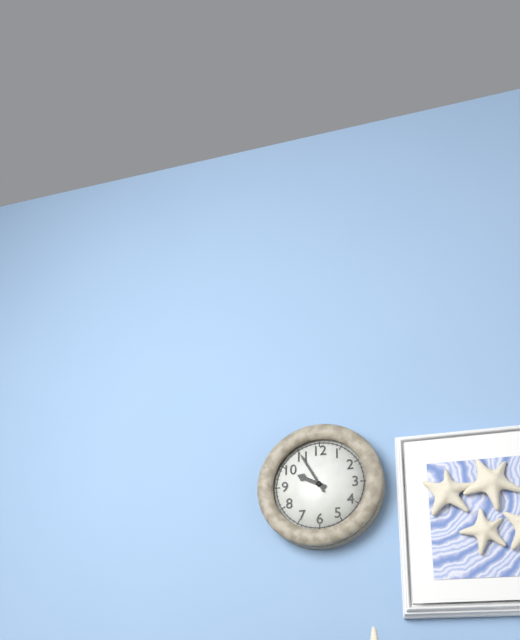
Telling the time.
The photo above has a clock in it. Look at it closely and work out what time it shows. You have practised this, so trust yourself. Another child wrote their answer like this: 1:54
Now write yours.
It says 9:55
